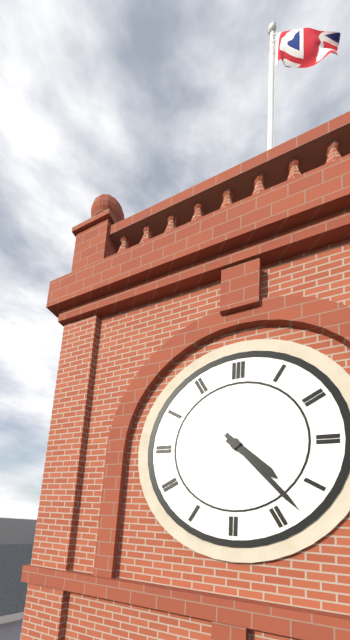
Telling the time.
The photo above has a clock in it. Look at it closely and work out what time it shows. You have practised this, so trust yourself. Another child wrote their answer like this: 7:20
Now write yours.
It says 4:23
